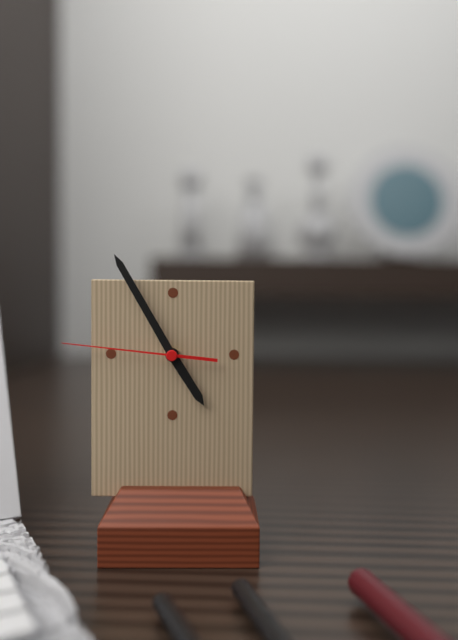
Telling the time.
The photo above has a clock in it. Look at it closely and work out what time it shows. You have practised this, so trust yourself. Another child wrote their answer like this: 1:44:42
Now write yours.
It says 4:55:46
